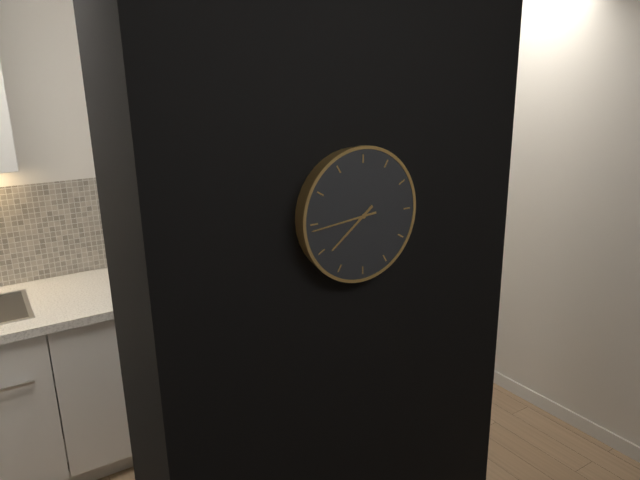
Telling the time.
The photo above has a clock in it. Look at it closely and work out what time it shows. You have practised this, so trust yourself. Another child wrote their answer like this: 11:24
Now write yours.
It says 7:44
